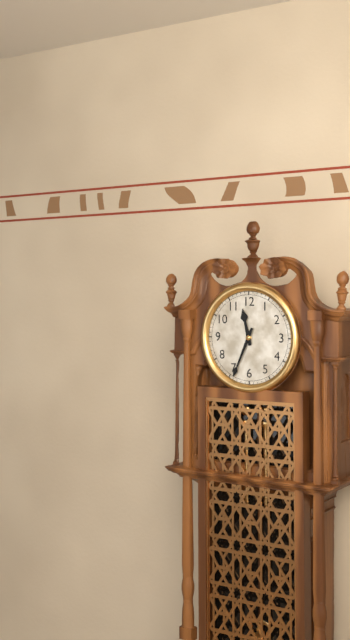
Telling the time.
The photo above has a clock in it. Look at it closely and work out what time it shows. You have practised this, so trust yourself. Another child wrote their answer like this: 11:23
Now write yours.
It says 11:34
